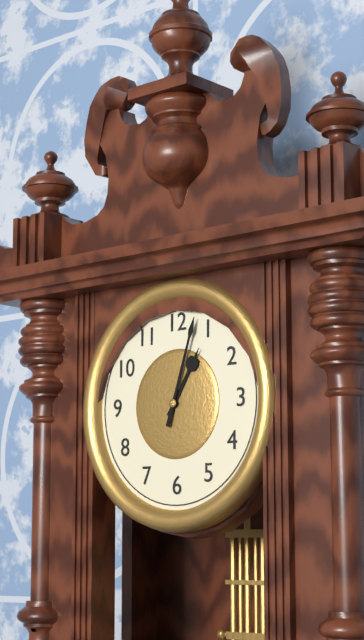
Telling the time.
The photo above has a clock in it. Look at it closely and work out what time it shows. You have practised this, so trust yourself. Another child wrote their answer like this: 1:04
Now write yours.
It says 1:03
